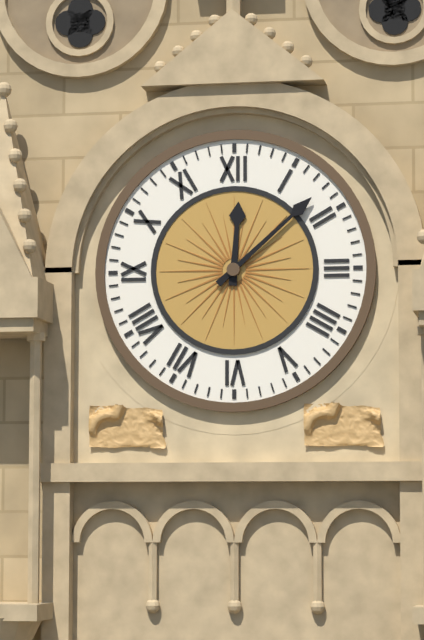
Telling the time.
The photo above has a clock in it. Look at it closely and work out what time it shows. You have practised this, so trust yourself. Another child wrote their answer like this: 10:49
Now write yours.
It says 12:08
